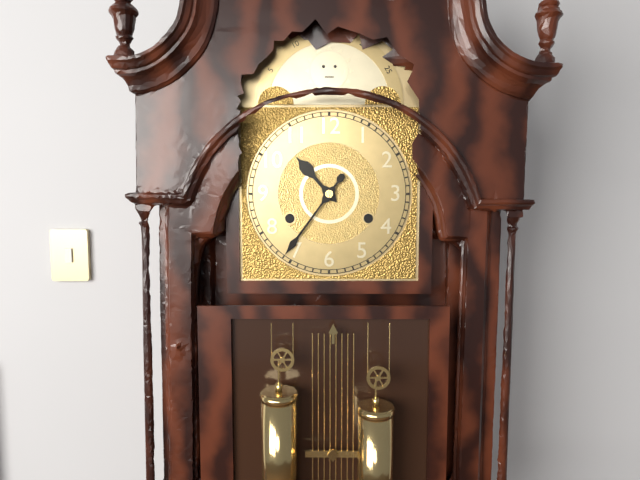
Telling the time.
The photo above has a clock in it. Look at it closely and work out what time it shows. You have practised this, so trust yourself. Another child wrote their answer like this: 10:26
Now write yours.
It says 10:36
